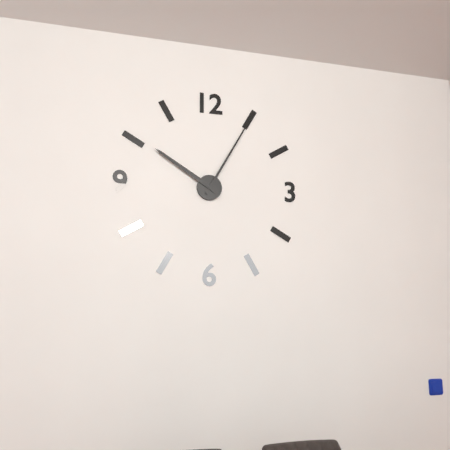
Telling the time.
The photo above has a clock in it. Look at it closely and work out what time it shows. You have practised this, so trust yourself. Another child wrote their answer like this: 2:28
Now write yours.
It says 10:05
